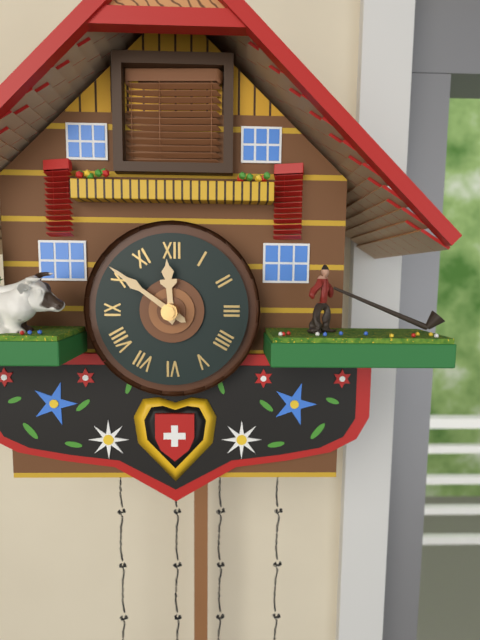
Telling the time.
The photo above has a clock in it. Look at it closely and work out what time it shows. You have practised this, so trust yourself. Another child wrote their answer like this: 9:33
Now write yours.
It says 11:51
